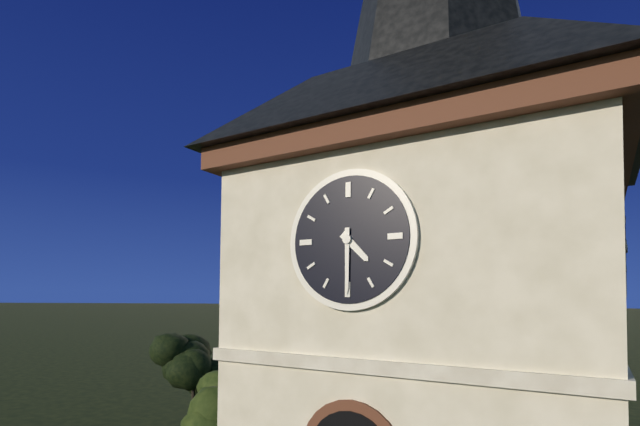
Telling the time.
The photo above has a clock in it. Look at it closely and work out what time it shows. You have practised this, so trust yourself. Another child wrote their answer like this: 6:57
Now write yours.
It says 4:30
